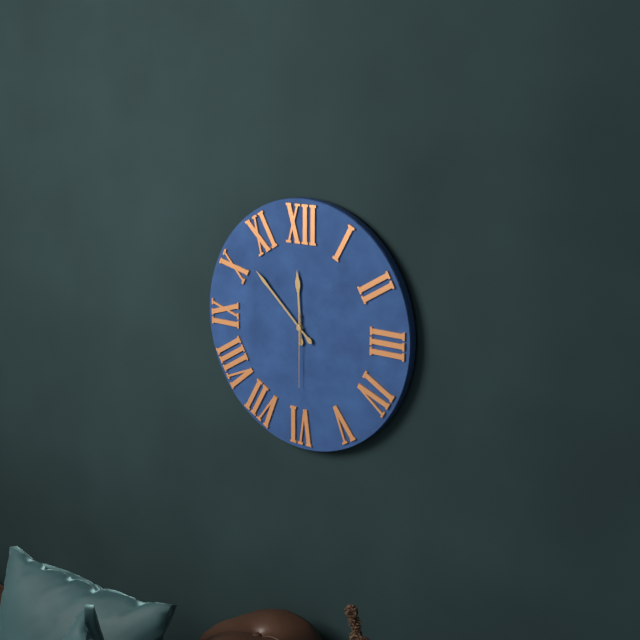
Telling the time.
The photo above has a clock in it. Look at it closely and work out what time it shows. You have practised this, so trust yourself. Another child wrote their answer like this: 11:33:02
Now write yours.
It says 11:52:30
